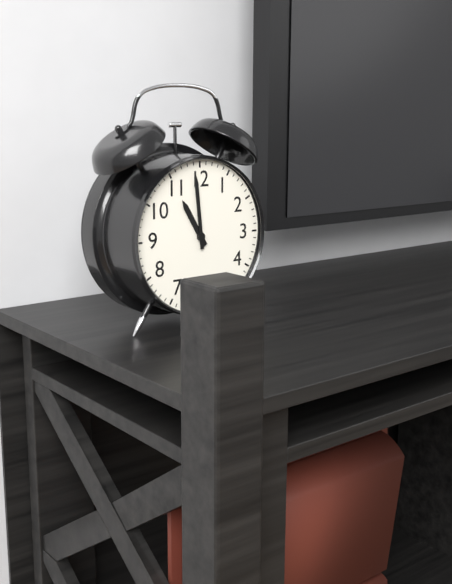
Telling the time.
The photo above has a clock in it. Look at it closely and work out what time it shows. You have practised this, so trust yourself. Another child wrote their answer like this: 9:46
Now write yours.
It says 10:59
